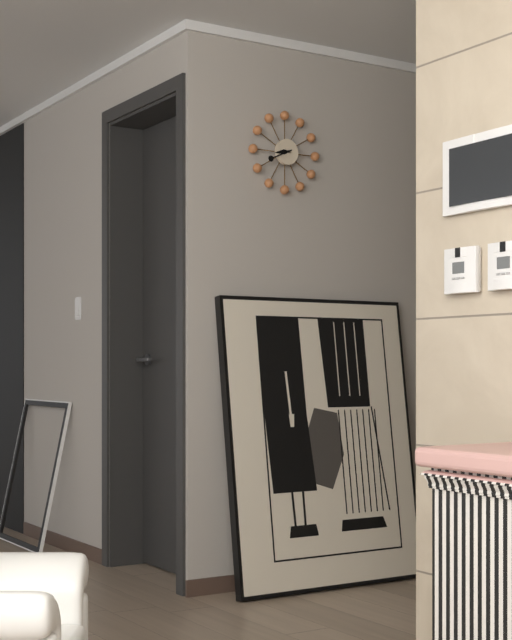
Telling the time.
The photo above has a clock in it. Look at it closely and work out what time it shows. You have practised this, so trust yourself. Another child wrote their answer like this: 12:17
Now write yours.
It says 8:41
